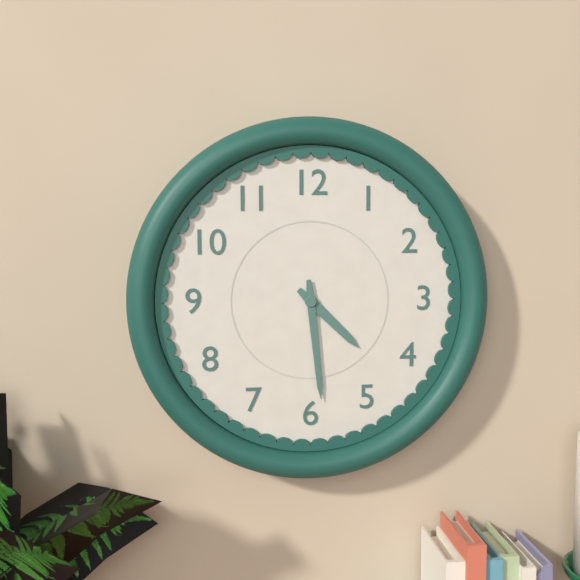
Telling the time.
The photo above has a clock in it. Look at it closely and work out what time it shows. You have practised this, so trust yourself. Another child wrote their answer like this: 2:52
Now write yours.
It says 4:29
